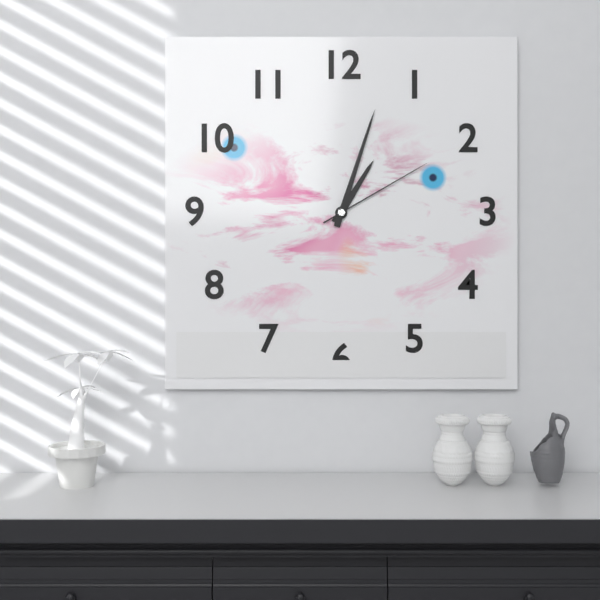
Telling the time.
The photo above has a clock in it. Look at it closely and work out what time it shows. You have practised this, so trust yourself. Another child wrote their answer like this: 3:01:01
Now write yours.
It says 1:03:10
